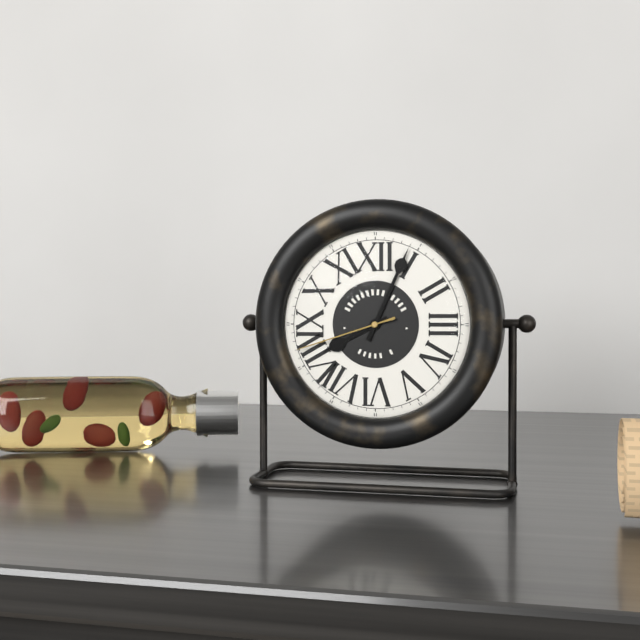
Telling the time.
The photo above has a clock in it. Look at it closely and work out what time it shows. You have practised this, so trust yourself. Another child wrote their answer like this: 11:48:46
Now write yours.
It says 8:04:42
